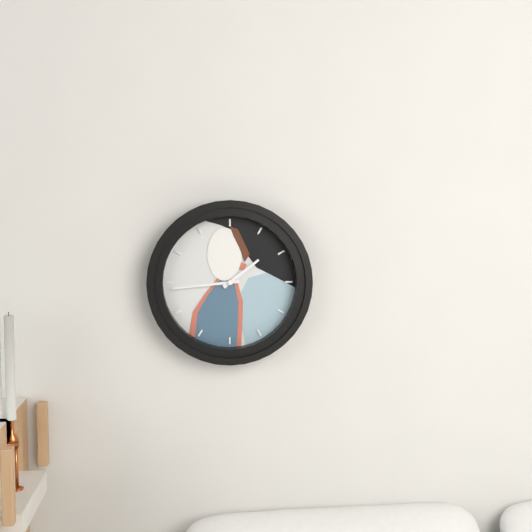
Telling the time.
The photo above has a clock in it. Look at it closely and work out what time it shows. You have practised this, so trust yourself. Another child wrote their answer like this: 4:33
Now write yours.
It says 1:44
